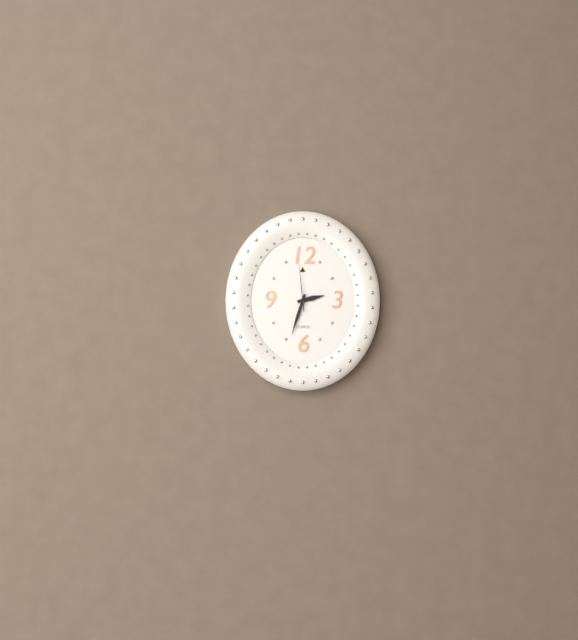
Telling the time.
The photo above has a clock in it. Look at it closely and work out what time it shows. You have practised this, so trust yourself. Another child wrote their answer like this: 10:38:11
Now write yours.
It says 2:33:59
